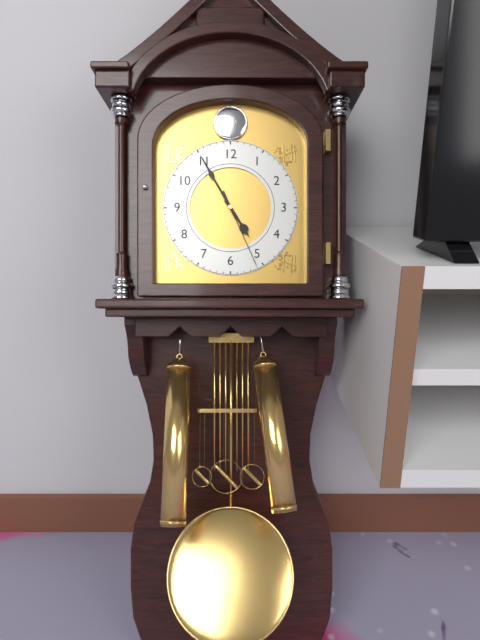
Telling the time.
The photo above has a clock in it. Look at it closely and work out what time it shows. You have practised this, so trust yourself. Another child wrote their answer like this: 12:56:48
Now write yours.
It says 4:55:26
